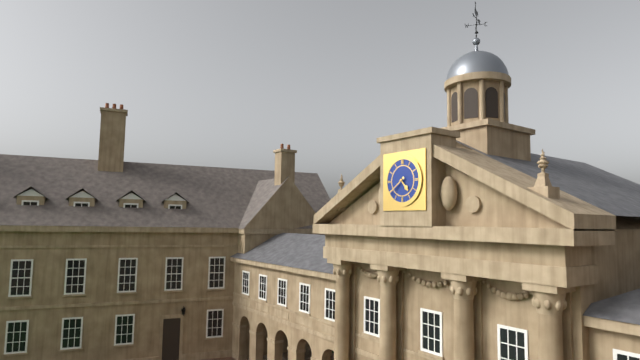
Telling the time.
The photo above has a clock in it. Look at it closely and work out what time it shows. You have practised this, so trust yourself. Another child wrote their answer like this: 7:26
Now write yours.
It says 4:39
